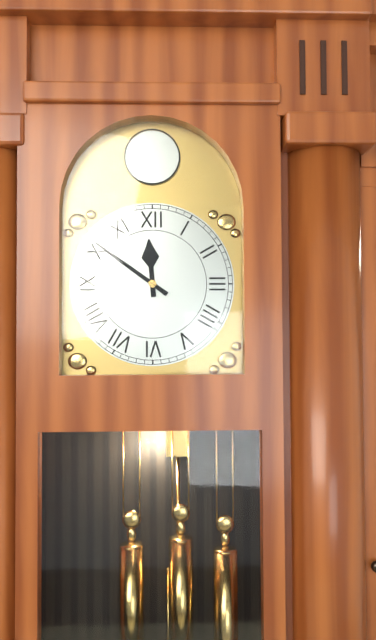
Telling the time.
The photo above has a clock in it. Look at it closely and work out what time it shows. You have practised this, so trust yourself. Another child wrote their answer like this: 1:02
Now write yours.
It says 11:51
